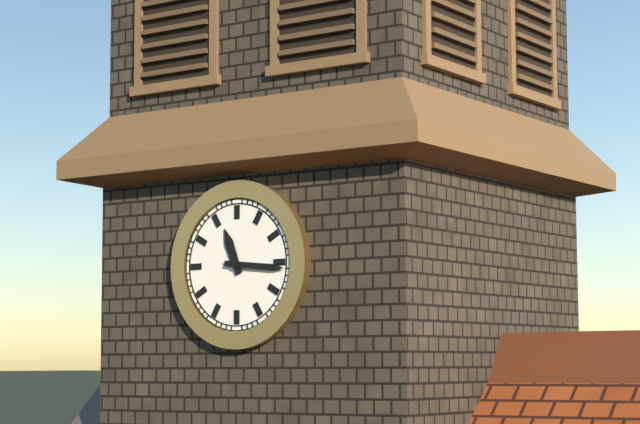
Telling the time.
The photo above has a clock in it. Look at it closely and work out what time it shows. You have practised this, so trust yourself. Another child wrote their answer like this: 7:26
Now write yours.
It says 11:16
